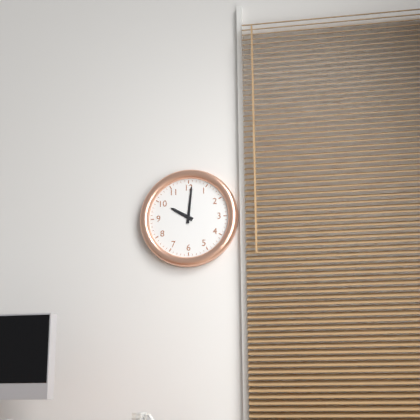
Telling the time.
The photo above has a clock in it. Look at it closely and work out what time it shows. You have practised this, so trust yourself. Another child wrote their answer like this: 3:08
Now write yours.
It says 10:01
